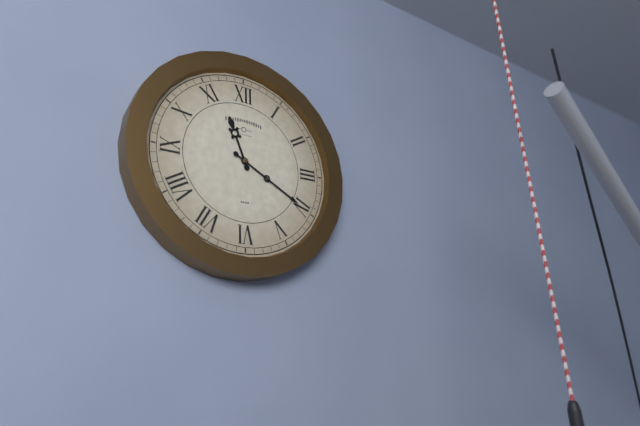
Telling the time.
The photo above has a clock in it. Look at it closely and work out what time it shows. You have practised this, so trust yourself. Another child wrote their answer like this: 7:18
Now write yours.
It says 11:20
